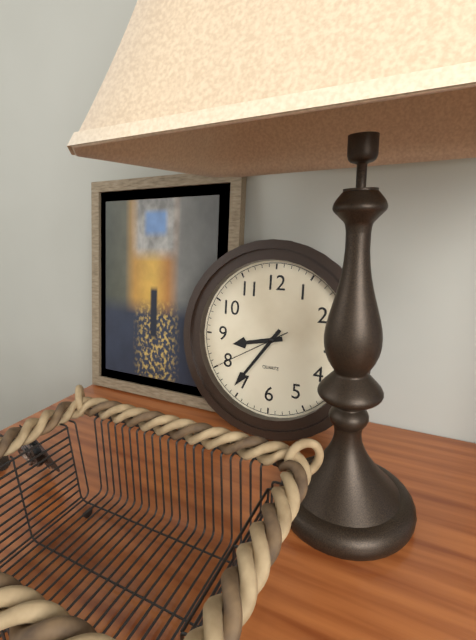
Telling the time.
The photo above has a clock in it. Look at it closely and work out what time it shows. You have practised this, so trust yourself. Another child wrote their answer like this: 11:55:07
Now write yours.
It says 8:36:40
